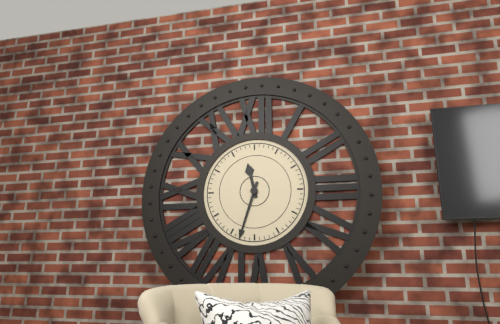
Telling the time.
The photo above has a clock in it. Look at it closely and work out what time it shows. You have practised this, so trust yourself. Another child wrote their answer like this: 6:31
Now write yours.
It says 11:33
